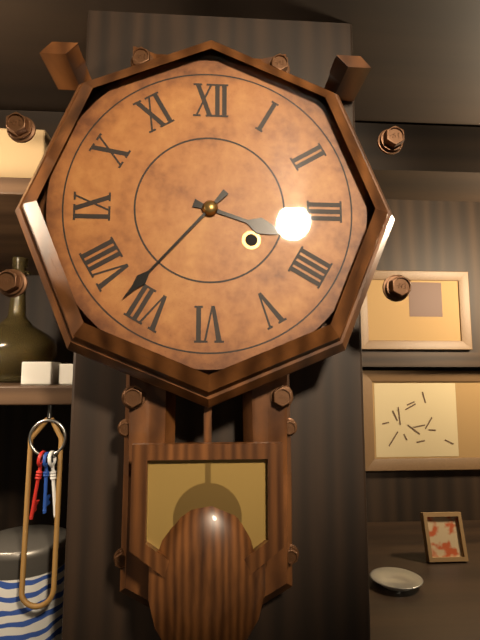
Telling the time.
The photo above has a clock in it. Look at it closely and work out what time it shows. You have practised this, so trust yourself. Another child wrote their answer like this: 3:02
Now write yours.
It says 3:37
